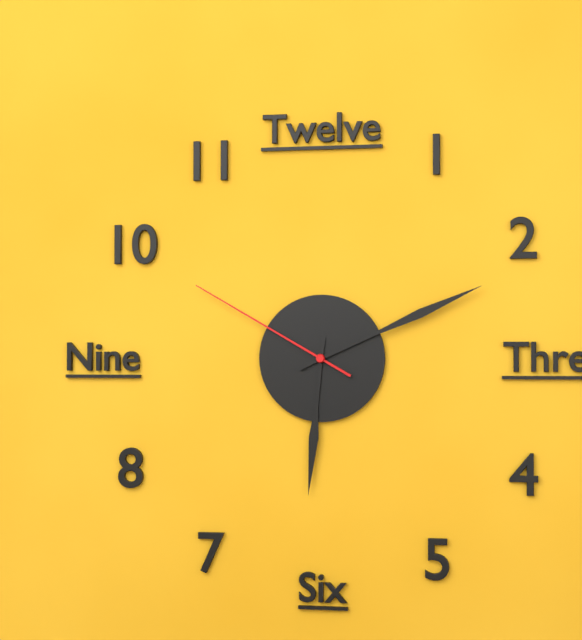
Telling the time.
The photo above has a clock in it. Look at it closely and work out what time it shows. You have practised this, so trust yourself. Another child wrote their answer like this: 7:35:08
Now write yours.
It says 6:11:50
